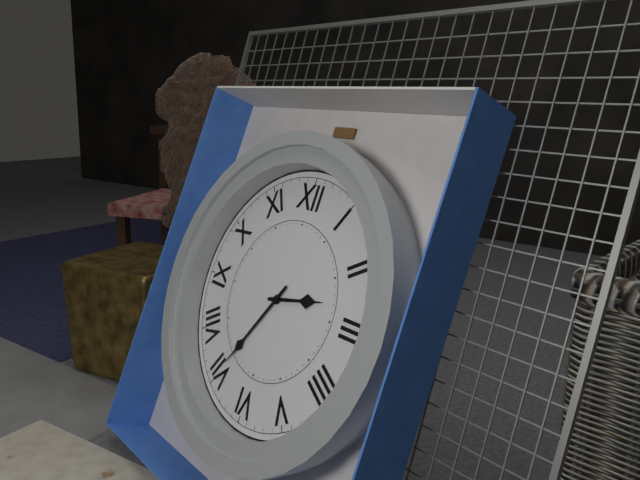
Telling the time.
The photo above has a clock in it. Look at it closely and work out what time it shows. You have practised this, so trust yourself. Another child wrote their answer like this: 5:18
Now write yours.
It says 2:35
